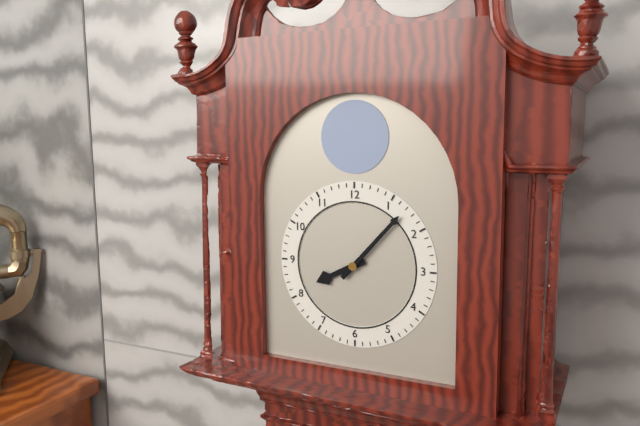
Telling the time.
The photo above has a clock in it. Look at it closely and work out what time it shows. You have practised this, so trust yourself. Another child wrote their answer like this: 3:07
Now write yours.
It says 8:07
